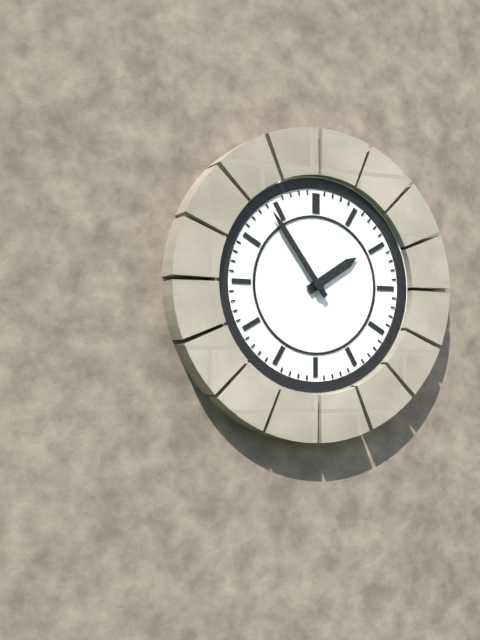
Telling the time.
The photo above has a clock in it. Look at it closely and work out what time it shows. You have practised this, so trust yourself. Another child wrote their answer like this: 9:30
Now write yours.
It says 1:54
